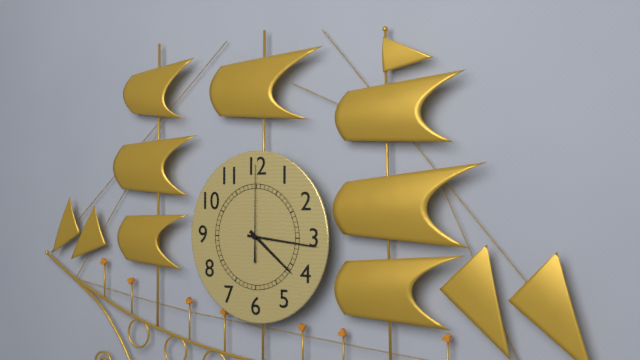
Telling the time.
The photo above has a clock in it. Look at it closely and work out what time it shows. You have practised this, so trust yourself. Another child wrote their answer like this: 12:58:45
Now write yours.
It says 4:16:00
